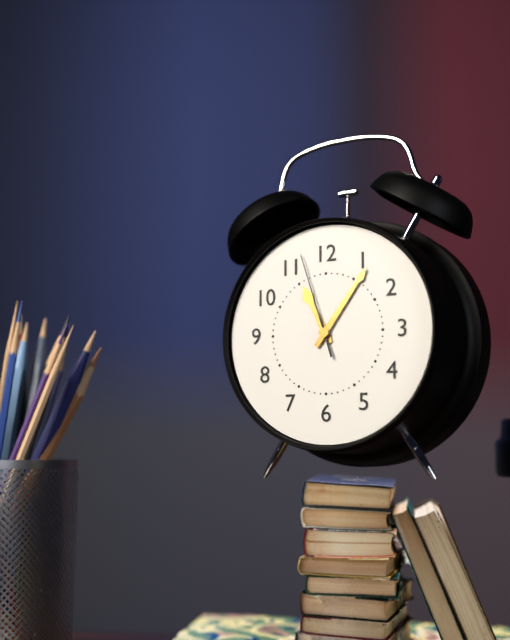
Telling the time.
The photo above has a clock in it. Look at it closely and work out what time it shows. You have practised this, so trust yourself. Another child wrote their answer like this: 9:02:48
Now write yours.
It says 11:06:57
